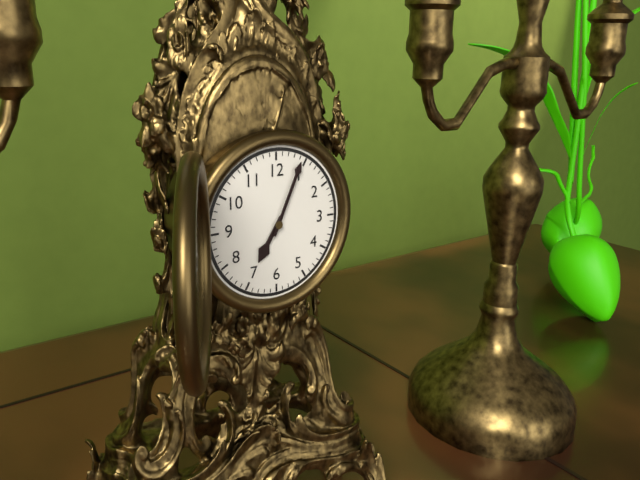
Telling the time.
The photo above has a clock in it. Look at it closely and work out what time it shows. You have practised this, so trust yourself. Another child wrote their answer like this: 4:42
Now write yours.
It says 7:04
